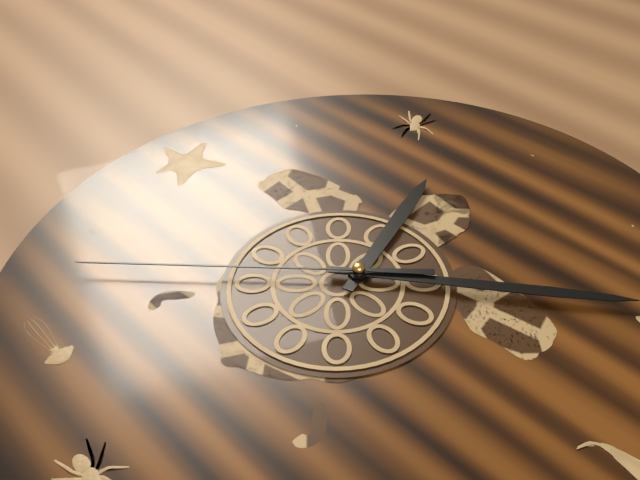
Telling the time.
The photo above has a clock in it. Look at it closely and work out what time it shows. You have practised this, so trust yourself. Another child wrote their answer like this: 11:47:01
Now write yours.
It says 2:24:53
